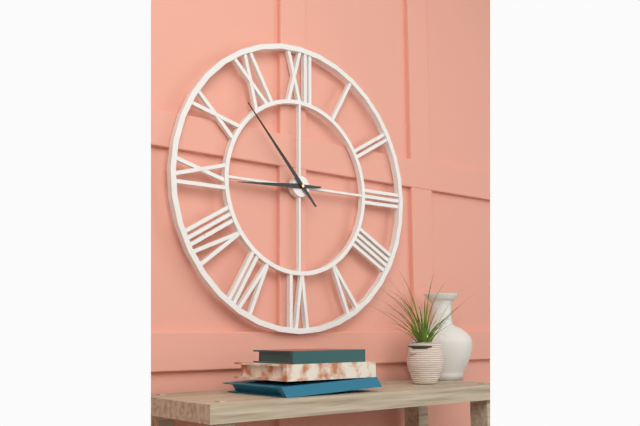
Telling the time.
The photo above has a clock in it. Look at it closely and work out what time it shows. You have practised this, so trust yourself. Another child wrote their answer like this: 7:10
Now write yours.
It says 8:53
